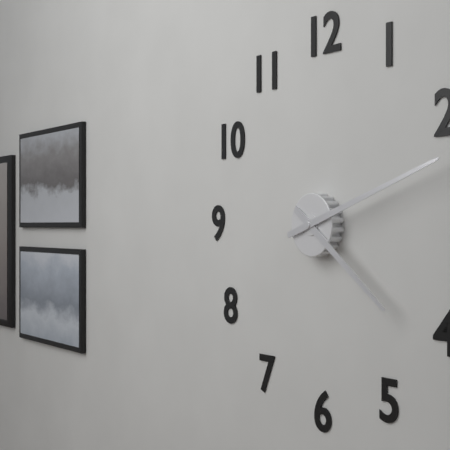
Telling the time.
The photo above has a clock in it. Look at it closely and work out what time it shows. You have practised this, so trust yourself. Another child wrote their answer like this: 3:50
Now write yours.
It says 4:12
